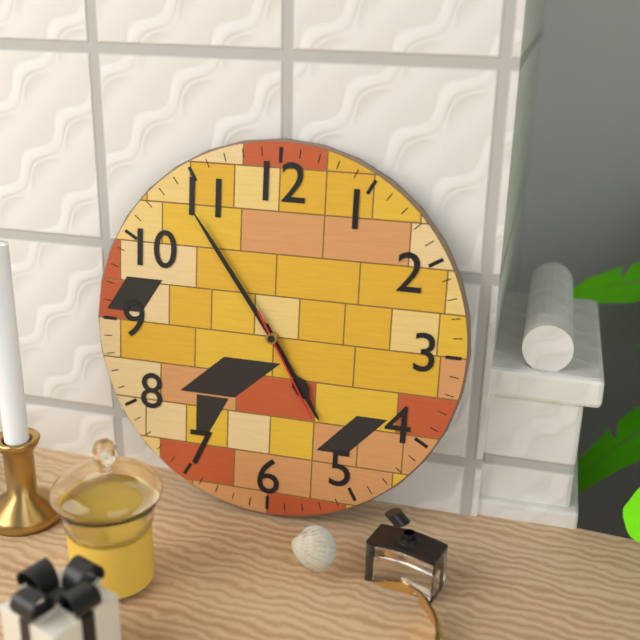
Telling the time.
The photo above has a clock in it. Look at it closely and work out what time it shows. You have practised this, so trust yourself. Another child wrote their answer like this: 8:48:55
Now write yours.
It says 4:54:25
